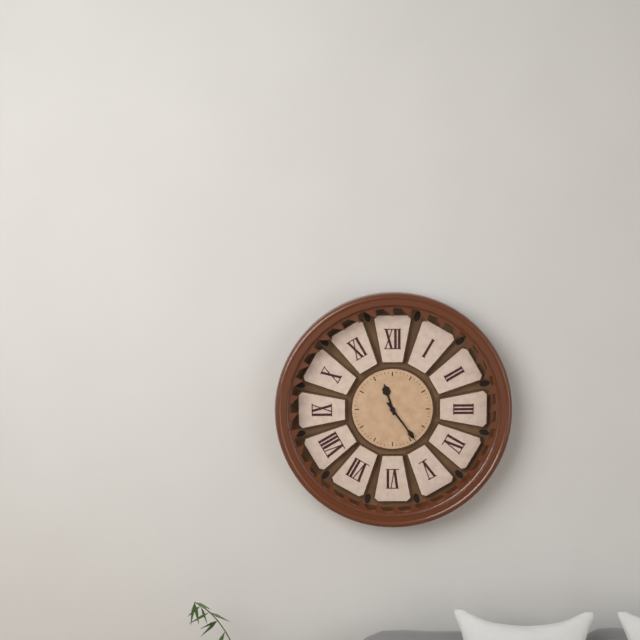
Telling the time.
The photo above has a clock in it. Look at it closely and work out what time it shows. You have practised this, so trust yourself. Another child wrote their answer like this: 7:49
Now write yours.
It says 11:24
